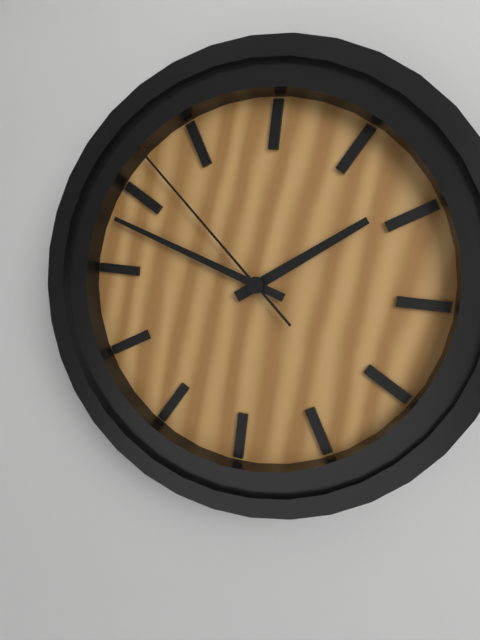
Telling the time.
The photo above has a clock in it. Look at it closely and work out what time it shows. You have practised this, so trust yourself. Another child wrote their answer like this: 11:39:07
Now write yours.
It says 1:48:52
